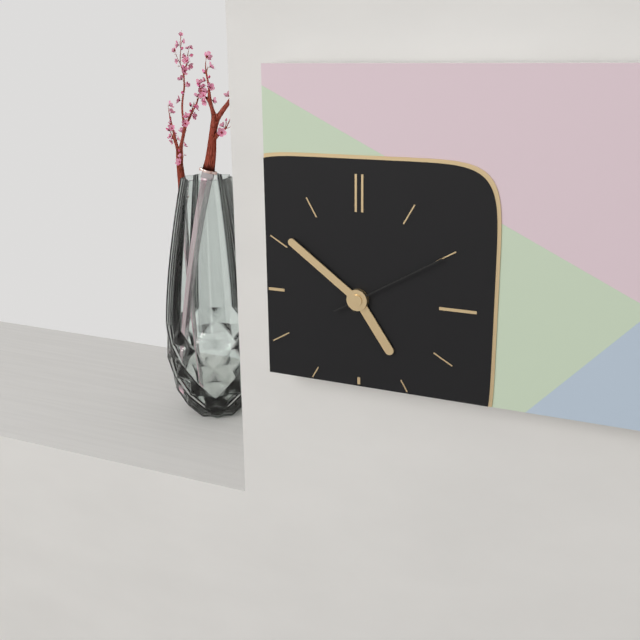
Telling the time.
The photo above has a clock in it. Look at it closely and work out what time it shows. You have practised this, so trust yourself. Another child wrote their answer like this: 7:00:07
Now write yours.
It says 4:51:10
